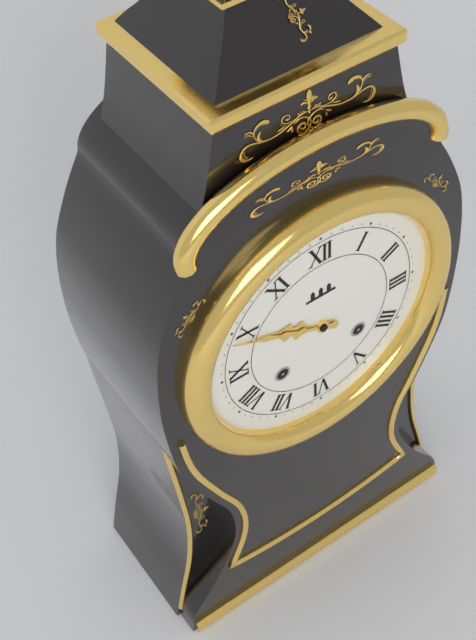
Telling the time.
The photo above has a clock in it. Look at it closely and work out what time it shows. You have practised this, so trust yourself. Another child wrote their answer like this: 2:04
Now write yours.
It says 9:49
